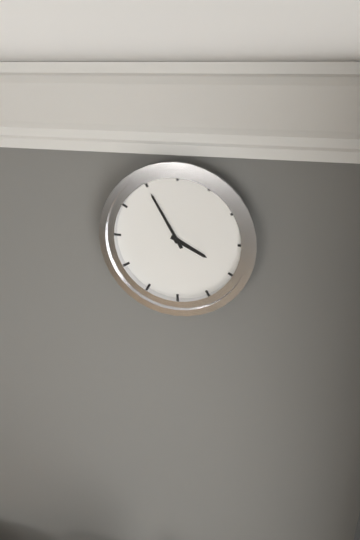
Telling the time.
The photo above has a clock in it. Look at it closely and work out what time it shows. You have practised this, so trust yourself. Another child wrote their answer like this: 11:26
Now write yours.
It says 3:55
